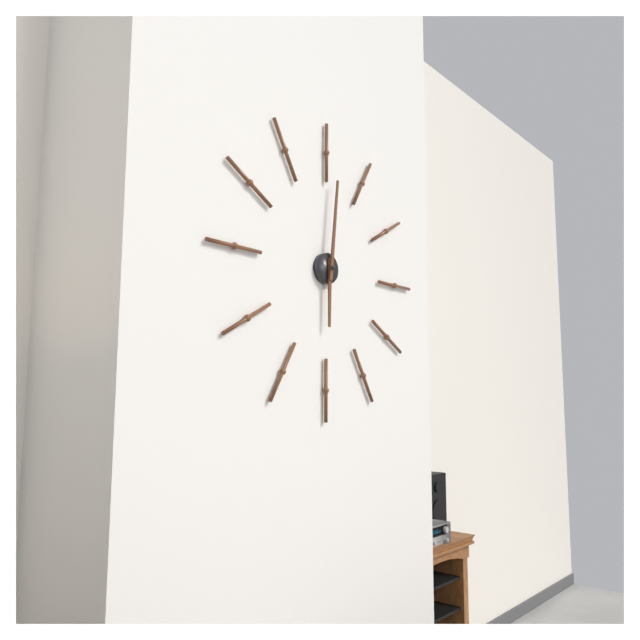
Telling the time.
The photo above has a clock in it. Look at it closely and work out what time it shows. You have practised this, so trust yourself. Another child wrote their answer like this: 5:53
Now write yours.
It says 6:01
